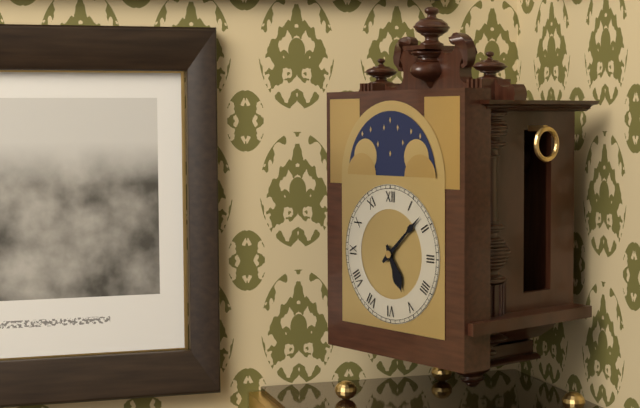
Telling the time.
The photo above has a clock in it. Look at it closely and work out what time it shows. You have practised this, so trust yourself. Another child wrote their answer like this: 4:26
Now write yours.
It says 5:08
